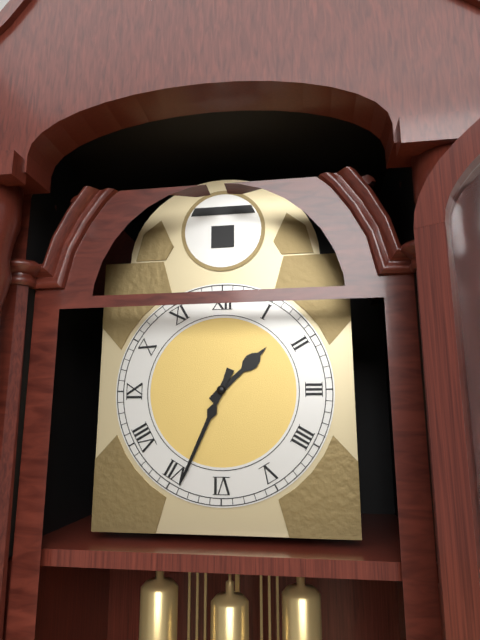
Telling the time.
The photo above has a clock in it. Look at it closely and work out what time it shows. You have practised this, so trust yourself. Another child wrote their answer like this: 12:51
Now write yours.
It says 1:34
